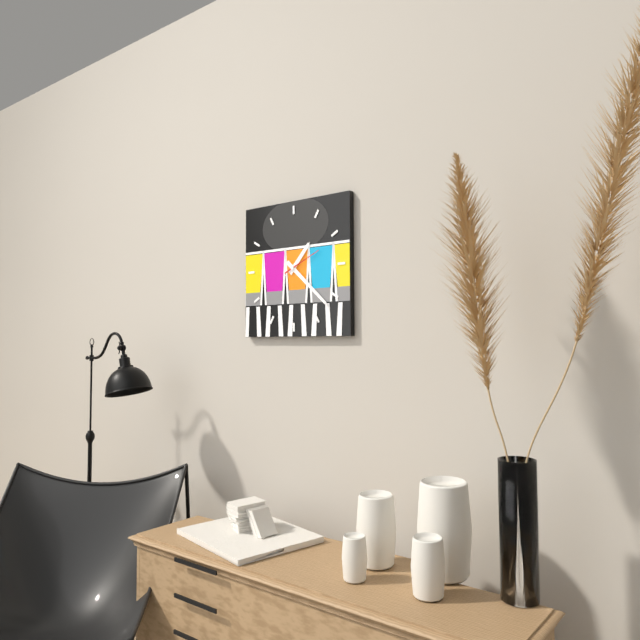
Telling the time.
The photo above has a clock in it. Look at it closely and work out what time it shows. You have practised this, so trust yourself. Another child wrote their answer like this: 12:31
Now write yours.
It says 1:22
